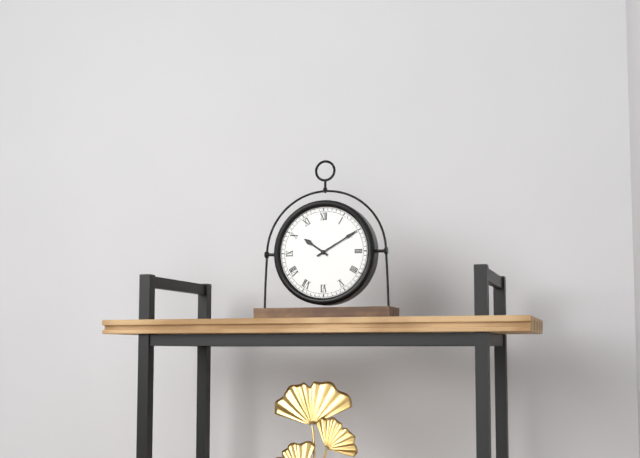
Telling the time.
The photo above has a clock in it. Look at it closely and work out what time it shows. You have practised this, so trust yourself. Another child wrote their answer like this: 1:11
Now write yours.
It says 10:10
